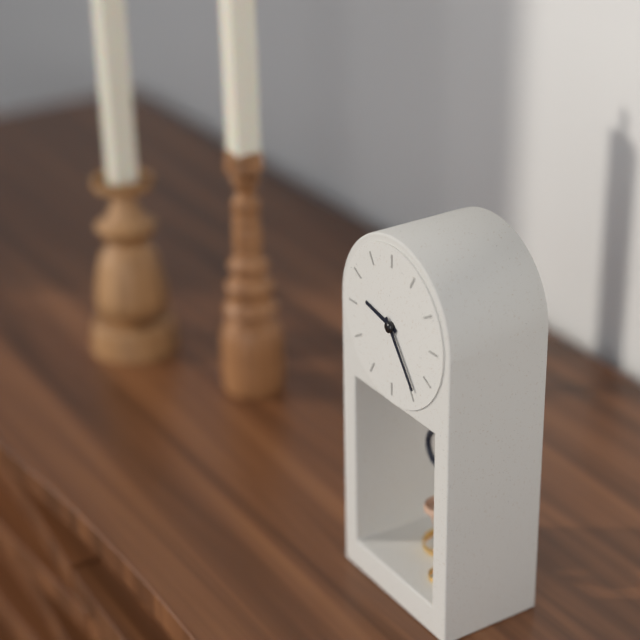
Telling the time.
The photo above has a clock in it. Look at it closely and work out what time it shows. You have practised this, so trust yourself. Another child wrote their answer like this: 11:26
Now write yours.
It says 9:24
